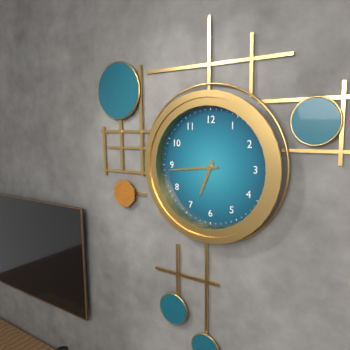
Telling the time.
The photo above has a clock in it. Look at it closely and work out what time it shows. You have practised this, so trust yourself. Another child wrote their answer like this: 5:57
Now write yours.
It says 6:44
